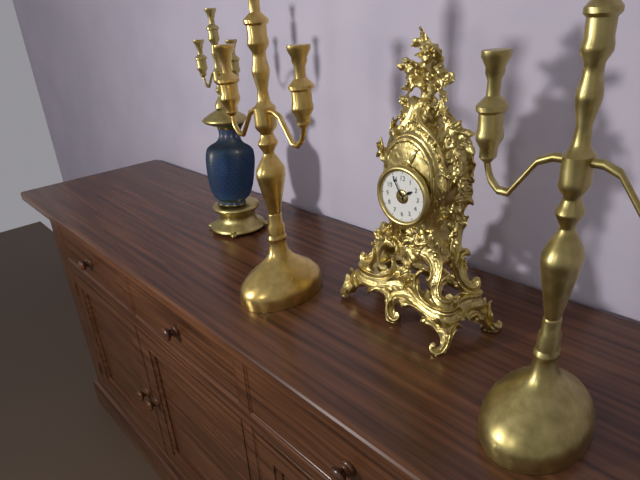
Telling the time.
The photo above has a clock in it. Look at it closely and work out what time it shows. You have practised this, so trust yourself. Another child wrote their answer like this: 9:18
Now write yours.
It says 1:55
